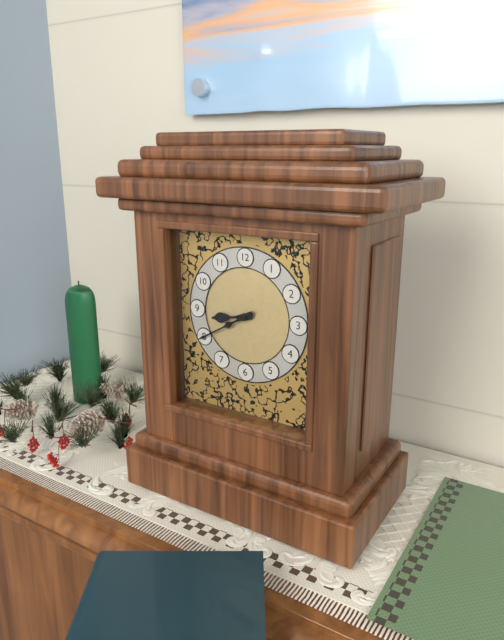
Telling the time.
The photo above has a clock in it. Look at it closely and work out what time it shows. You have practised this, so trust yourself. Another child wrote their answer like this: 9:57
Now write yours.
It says 8:40
